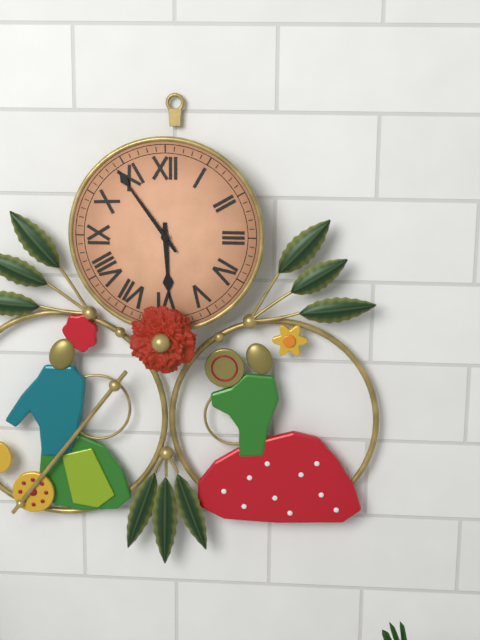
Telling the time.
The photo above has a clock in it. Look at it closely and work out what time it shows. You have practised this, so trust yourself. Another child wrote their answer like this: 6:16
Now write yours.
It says 5:54
